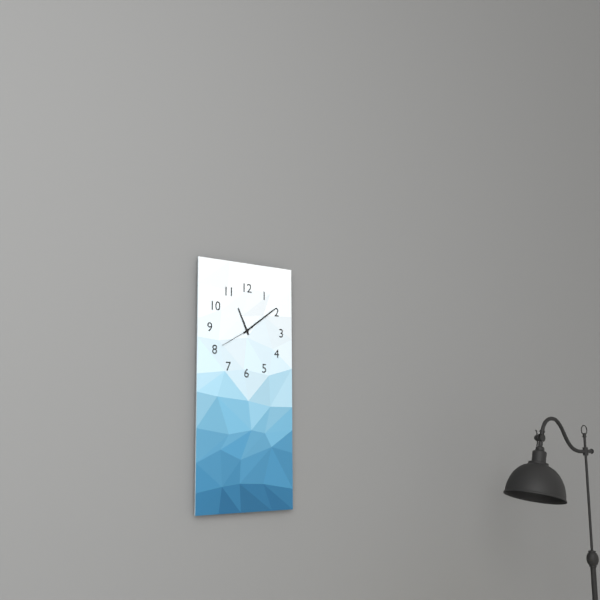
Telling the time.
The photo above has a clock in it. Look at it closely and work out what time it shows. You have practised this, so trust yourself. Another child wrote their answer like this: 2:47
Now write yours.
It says 11:09
